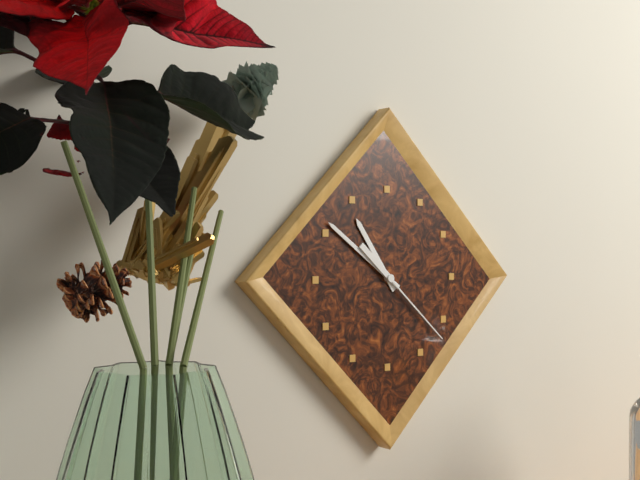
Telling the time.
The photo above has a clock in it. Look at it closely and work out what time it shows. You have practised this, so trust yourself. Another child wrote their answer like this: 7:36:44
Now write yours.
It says 10:51:22
